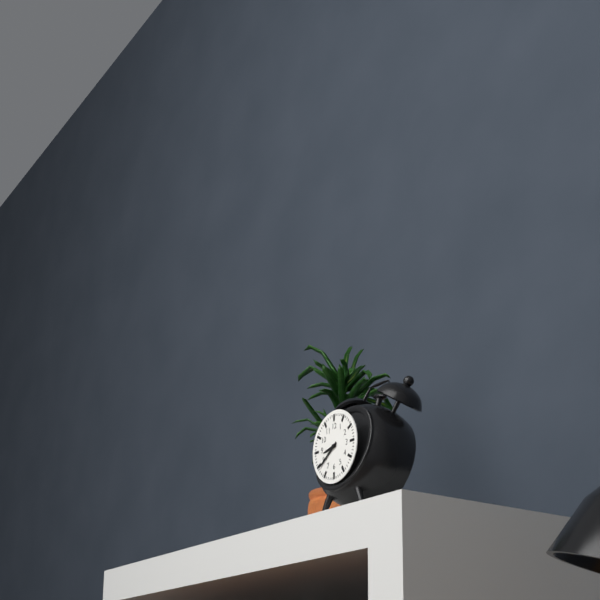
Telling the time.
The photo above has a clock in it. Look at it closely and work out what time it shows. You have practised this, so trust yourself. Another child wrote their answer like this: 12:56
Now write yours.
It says 8:39
